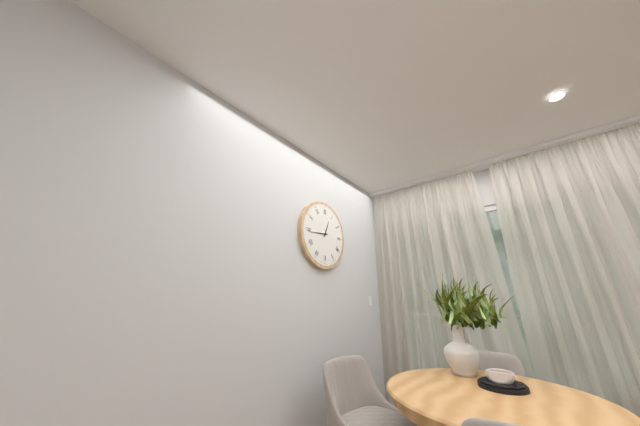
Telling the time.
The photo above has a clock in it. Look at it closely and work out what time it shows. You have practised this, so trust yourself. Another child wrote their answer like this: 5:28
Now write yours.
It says 12:44
